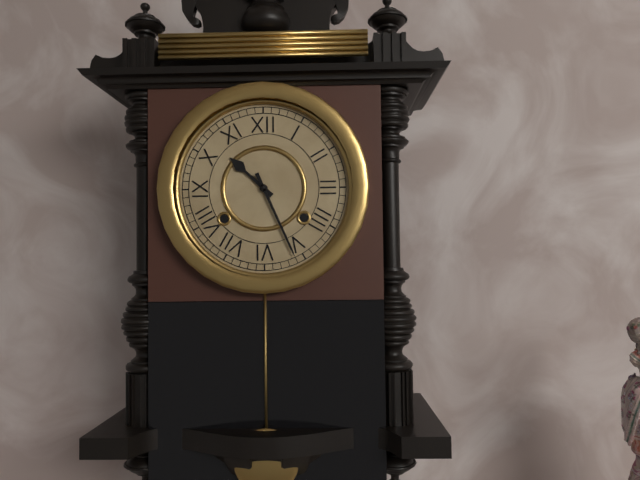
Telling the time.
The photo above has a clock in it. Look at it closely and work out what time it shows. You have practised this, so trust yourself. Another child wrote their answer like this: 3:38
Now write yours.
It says 10:26
